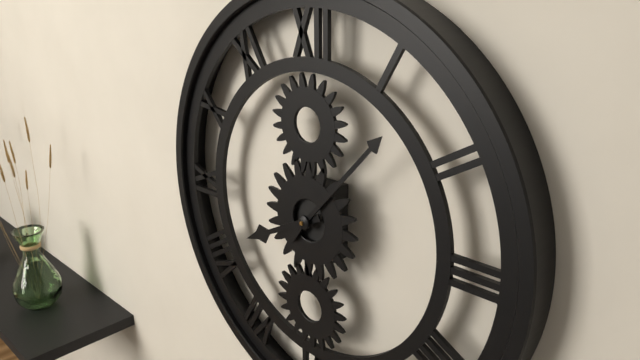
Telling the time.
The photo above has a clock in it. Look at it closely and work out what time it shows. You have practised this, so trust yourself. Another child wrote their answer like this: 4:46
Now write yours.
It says 8:07
